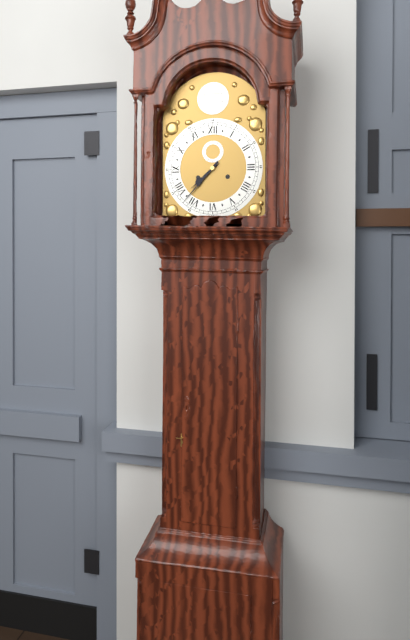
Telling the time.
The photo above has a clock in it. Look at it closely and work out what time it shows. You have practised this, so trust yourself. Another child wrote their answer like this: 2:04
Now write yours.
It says 7:37
